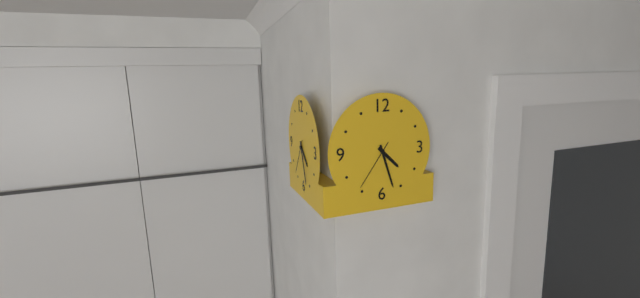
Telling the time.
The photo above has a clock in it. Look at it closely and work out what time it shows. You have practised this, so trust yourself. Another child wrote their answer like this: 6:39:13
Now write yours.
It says 4:27:36
